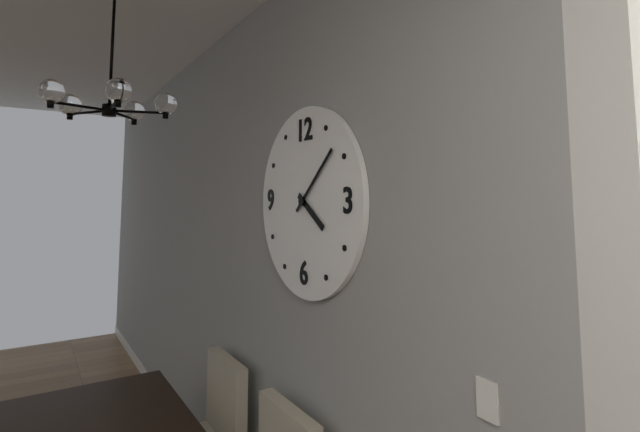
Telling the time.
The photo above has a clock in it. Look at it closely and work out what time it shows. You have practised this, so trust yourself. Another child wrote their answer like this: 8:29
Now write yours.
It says 4:08
